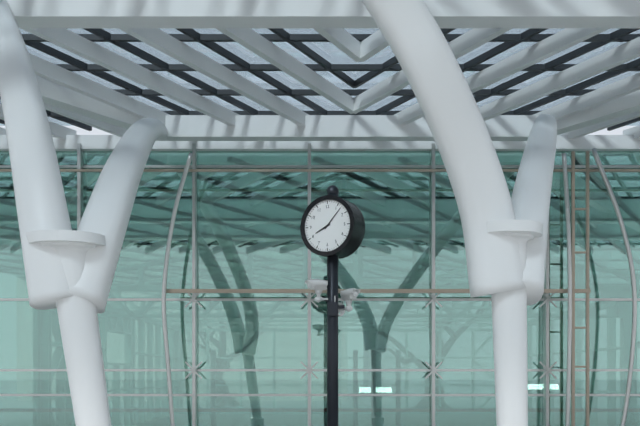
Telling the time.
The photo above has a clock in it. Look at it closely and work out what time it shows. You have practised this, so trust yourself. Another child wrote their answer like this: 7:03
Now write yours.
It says 8:07
